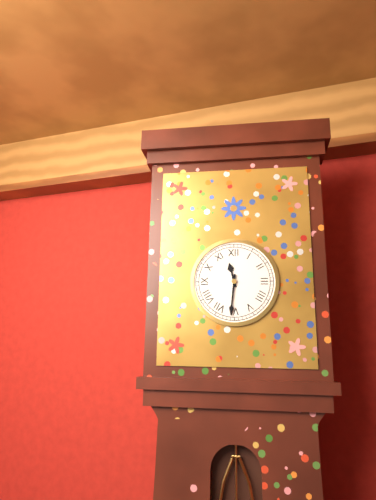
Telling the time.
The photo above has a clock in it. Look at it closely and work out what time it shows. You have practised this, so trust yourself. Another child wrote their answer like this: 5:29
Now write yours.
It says 11:31
